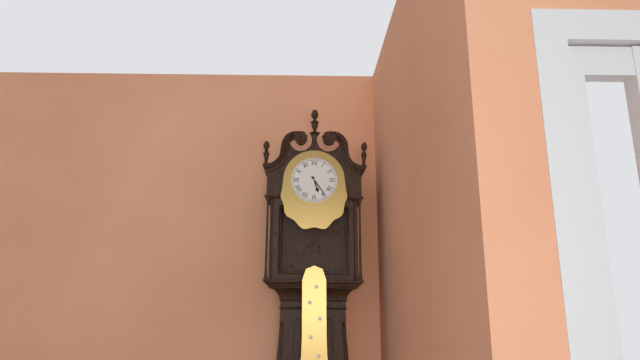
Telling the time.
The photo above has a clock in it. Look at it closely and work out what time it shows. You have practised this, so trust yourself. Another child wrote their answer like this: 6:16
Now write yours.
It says 5:24
